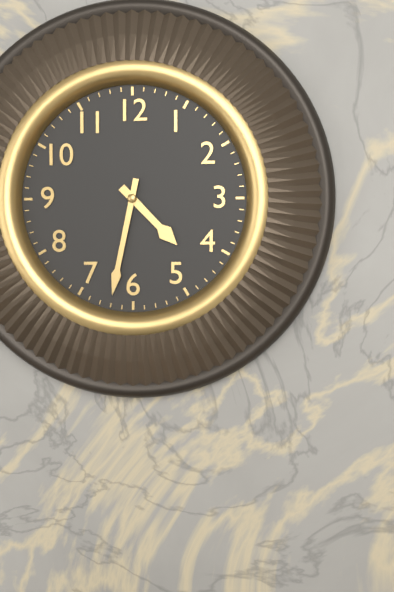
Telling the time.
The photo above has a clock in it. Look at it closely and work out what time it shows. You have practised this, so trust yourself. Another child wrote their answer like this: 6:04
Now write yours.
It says 4:32
